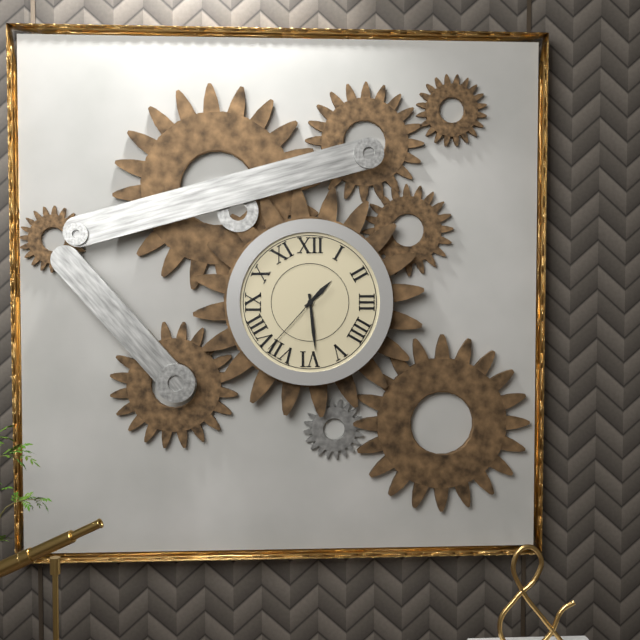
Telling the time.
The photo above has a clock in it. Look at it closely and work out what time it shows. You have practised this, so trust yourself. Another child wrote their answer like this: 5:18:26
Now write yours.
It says 1:29:37
